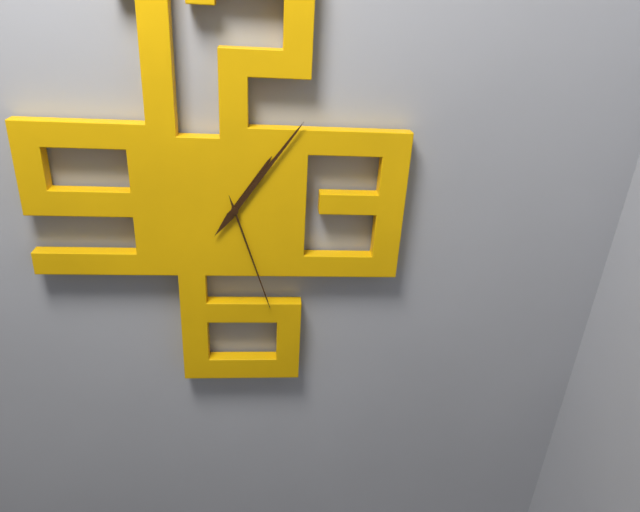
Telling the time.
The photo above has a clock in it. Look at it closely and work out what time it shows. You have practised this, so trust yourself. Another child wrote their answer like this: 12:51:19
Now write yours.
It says 1:06:27
